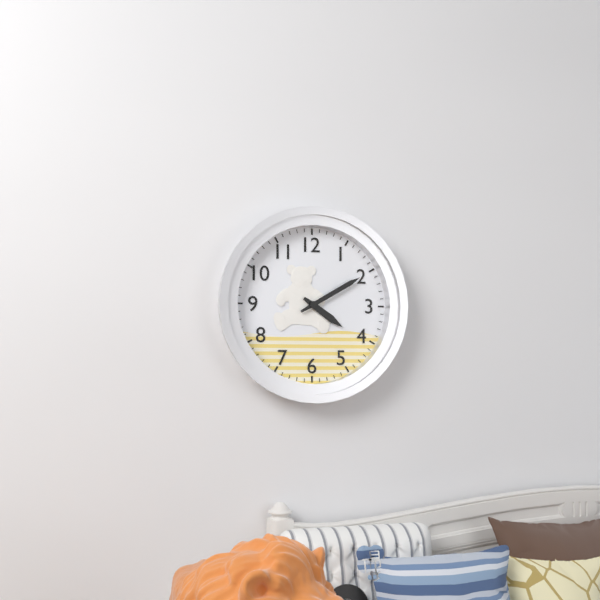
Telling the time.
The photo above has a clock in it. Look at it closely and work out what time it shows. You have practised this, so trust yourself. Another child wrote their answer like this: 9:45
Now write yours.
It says 4:10
